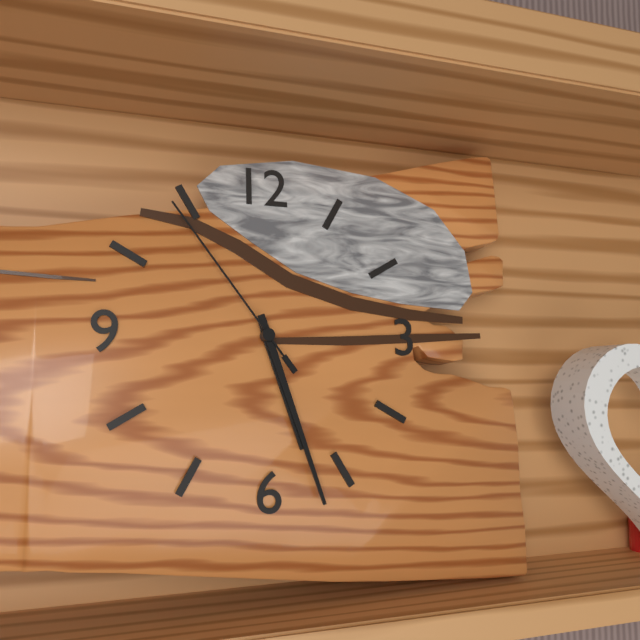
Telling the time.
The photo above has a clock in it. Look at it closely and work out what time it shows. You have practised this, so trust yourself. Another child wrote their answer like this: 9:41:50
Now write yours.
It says 5:27:54
